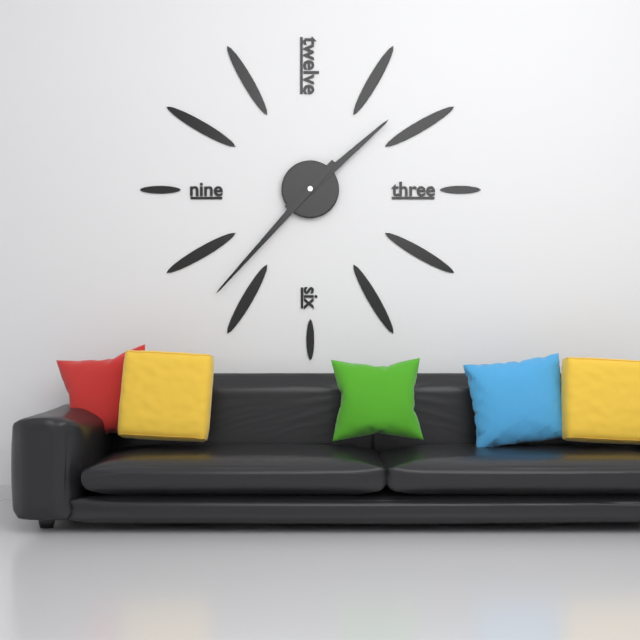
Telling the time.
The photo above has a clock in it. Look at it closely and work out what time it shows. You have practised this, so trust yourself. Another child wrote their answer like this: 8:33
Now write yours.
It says 1:37
